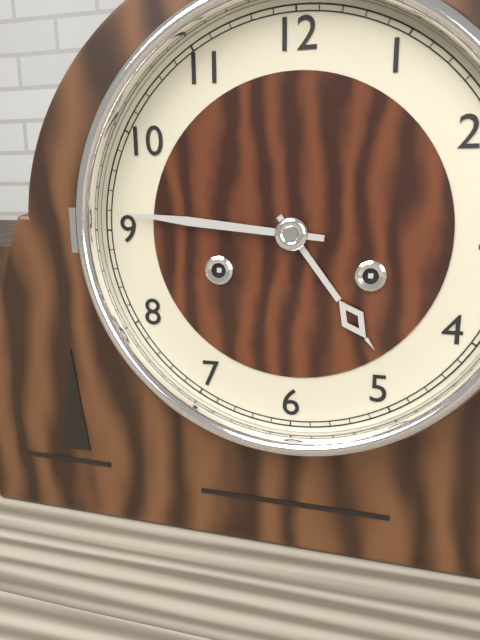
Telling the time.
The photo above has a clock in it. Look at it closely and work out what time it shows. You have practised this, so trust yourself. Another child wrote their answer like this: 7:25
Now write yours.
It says 4:46
